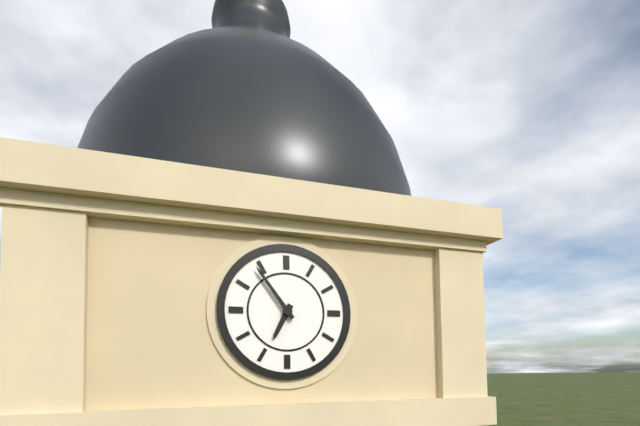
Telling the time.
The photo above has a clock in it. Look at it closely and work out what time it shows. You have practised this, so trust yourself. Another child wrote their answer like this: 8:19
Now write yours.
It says 6:54
